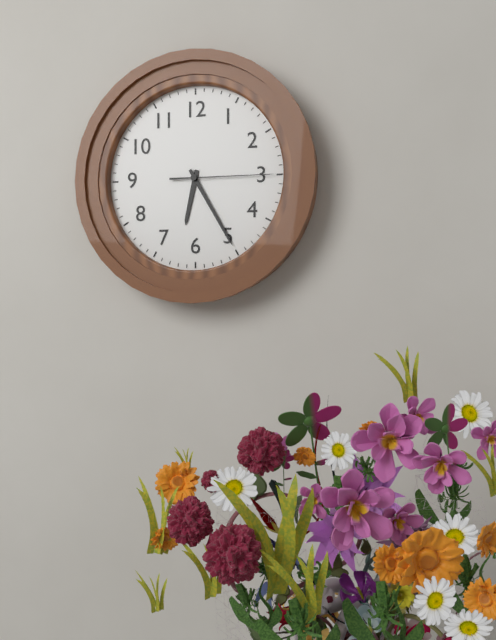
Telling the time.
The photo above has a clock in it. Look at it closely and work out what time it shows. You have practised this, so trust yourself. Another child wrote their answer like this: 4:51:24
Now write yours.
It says 6:25:15
